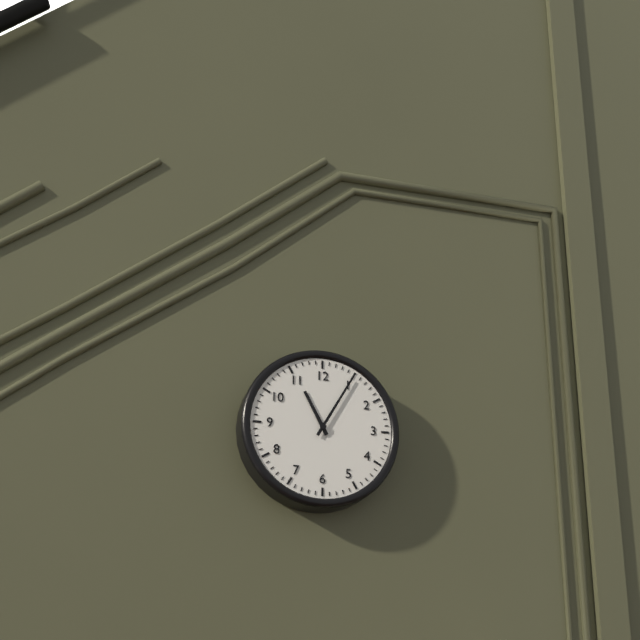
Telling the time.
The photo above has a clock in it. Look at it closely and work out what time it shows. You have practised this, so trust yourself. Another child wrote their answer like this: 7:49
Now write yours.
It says 11:05
